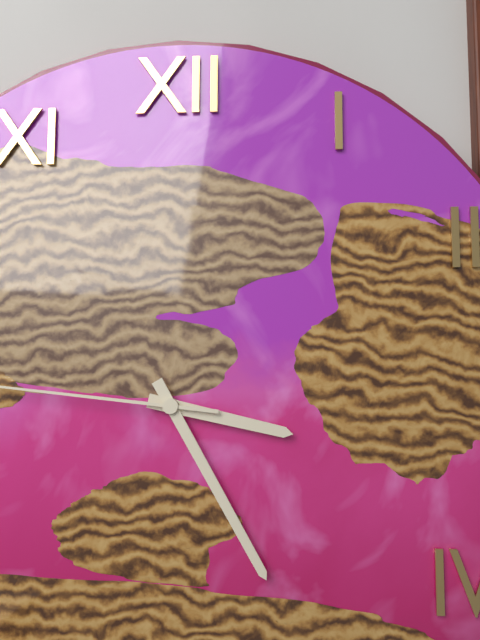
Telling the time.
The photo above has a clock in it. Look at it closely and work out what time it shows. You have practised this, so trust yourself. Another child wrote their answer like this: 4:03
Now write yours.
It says 3:25
